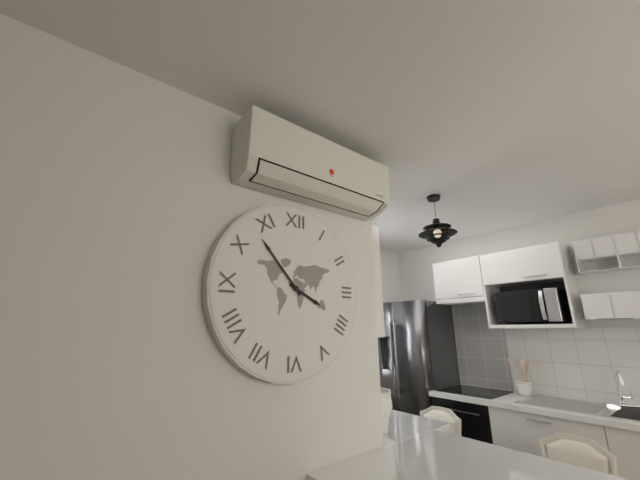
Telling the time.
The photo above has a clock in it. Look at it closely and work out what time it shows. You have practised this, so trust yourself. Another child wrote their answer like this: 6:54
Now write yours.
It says 3:53
